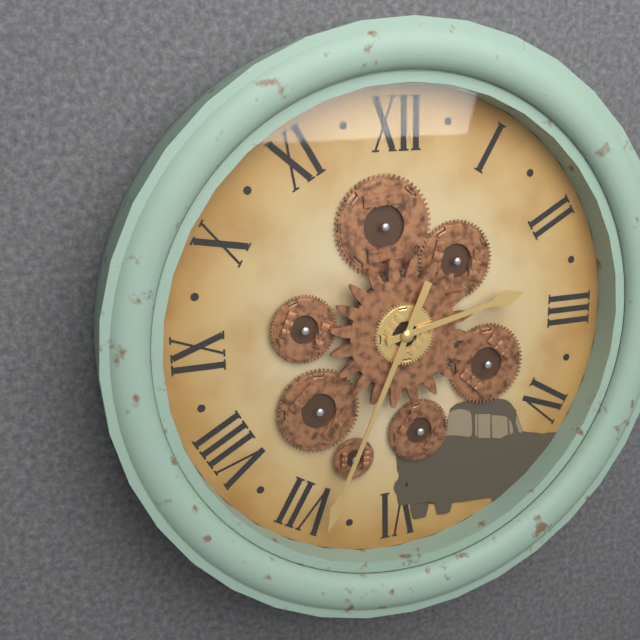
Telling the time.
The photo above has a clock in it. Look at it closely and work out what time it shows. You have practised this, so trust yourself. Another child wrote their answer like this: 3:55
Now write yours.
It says 2:34
